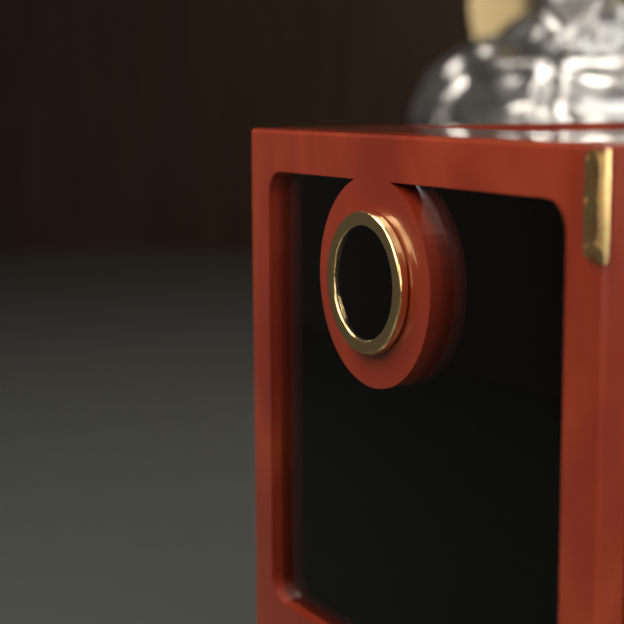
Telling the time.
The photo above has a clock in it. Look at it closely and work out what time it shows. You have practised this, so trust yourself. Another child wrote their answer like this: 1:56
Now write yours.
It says 3:59
